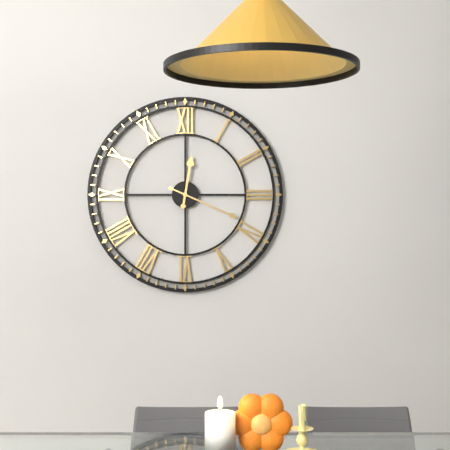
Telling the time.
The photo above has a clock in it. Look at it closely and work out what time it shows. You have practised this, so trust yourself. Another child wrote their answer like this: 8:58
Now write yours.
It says 12:19
